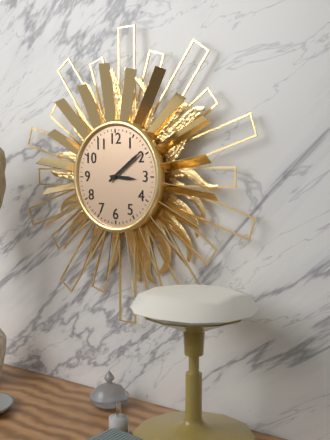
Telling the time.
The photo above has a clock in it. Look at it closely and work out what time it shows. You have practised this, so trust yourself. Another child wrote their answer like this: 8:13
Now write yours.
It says 3:09
